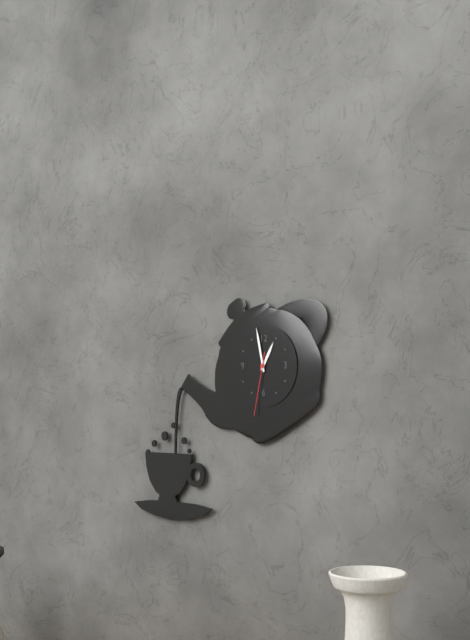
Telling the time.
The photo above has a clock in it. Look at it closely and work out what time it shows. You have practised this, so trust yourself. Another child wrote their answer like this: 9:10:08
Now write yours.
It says 12:58:32
